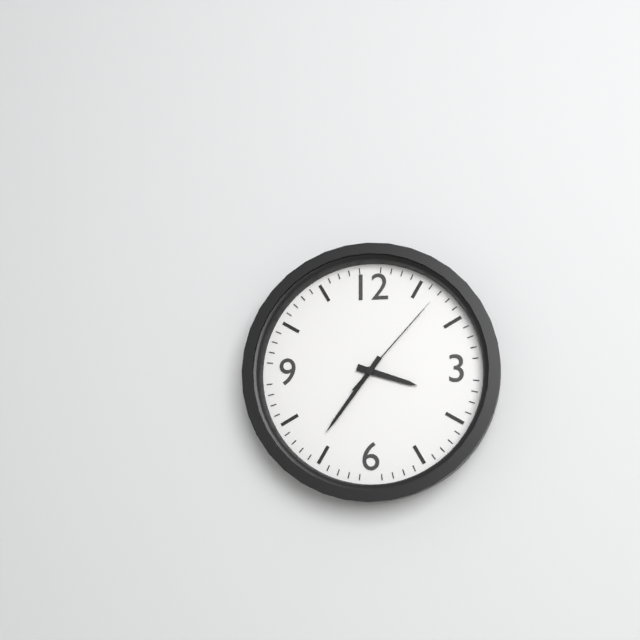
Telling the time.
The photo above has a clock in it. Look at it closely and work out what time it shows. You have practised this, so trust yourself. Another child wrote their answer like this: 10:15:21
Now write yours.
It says 3:36:07
